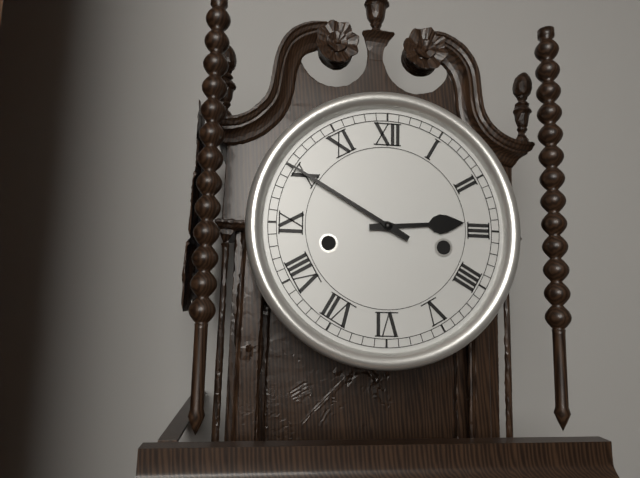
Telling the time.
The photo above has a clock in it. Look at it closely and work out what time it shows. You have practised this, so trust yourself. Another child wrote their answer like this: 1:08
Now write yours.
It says 2:50
